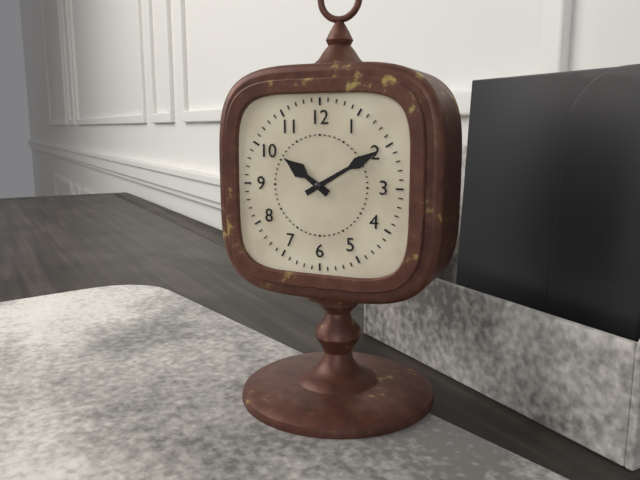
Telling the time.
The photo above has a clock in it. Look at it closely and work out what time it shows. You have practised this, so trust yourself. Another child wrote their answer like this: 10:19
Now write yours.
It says 10:10
